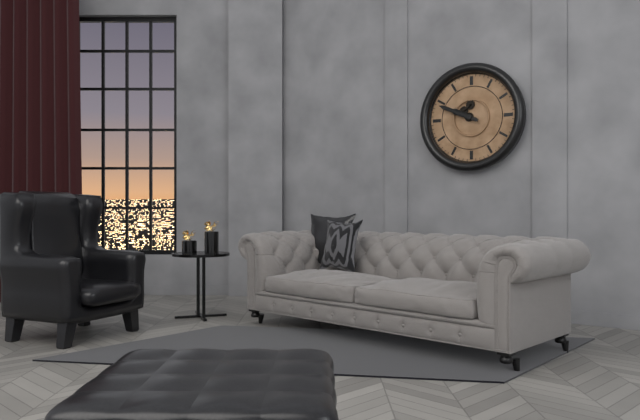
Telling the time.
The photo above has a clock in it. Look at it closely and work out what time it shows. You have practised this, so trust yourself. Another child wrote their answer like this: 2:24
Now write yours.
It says 9:49
